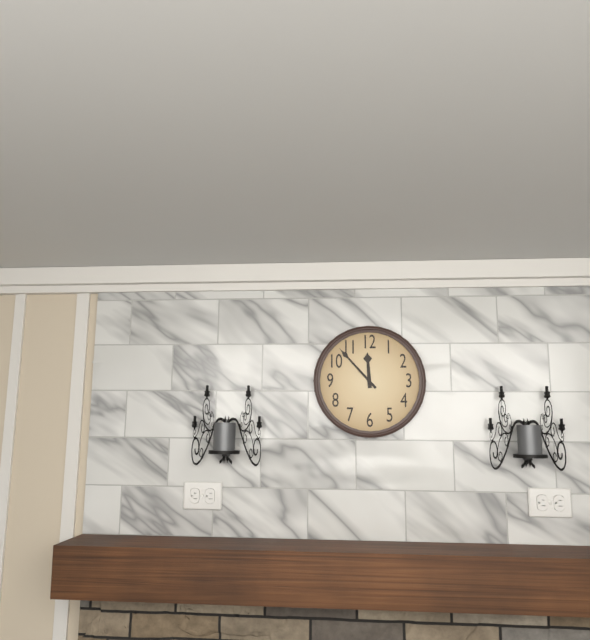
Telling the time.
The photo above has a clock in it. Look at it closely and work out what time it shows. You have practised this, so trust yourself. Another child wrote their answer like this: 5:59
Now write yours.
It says 11:53
